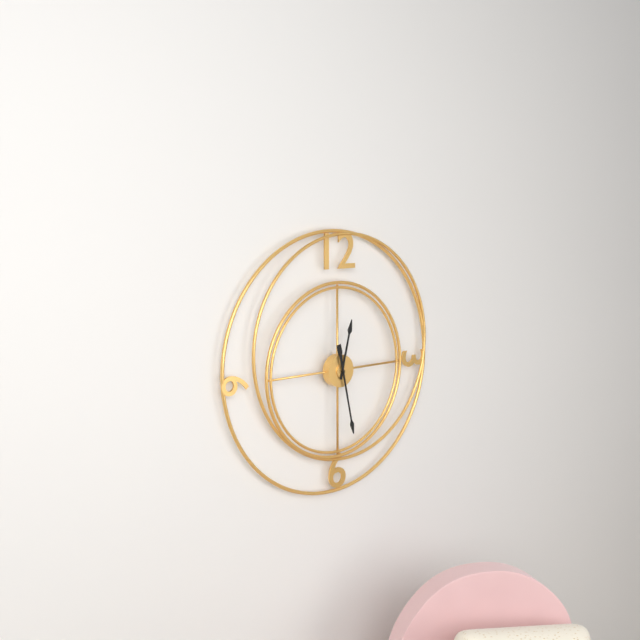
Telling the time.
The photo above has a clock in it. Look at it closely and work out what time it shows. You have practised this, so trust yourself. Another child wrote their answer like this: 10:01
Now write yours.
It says 12:28
